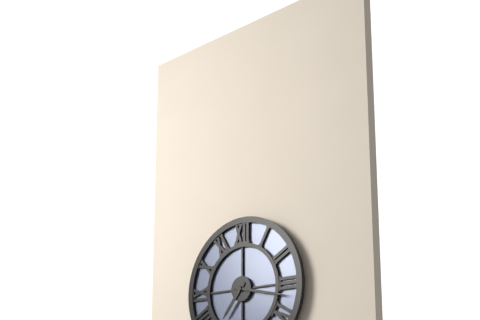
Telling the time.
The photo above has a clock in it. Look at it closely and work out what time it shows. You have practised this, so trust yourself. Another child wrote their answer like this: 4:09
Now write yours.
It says 7:17
